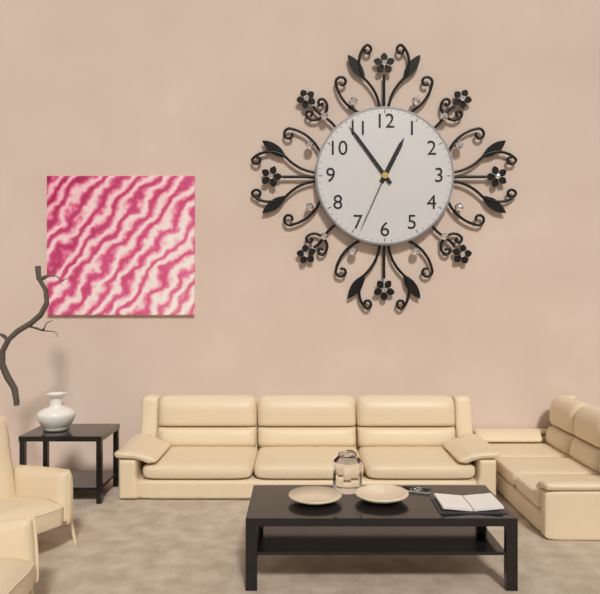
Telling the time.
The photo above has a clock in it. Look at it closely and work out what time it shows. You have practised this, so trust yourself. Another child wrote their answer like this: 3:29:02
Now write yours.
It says 12:54:34
